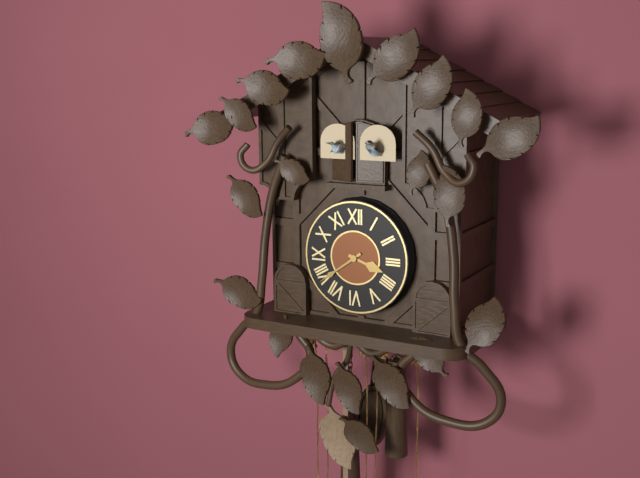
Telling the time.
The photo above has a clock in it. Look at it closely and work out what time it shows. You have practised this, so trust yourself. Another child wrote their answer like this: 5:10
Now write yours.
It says 3:39
